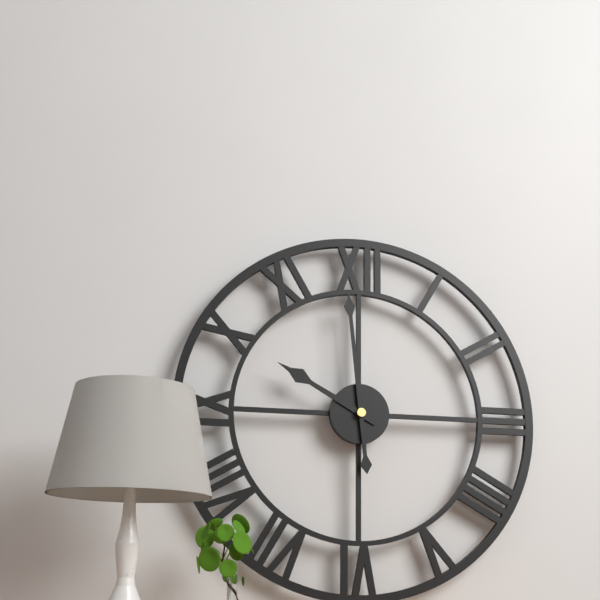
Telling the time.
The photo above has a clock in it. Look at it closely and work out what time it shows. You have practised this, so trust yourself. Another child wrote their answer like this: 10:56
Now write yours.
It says 9:59
